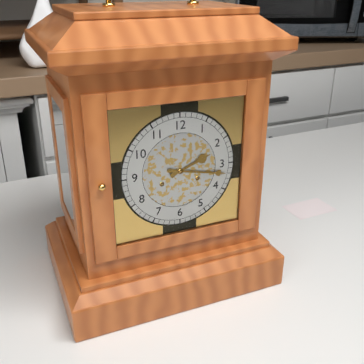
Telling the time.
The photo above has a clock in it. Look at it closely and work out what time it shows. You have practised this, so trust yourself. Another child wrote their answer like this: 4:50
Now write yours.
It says 2:17
